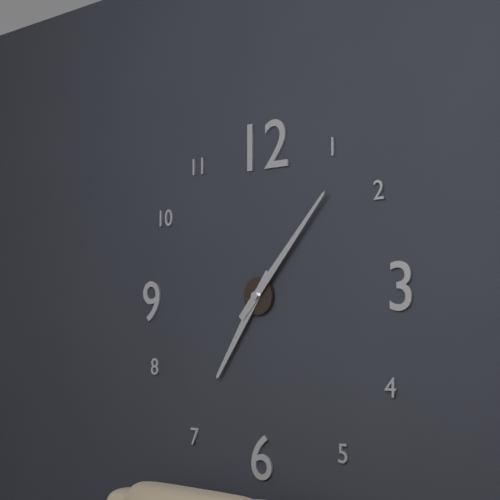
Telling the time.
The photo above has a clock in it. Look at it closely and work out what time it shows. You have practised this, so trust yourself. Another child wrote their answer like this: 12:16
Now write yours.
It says 7:07
